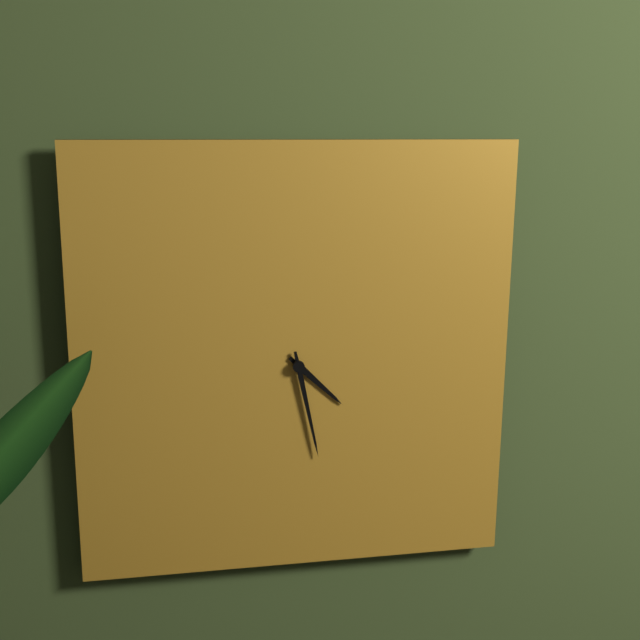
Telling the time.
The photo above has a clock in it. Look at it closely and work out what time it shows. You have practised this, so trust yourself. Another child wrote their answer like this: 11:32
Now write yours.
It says 4:28
